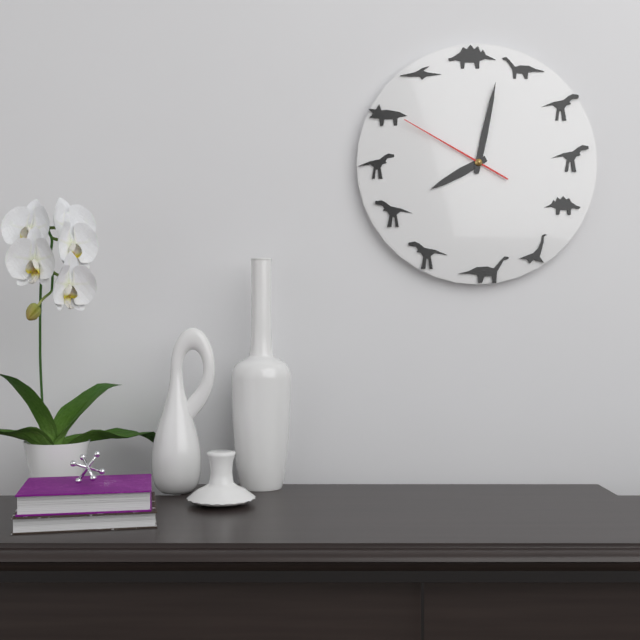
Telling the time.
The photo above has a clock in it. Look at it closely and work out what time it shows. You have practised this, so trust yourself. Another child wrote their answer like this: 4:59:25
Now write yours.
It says 8:02:50
